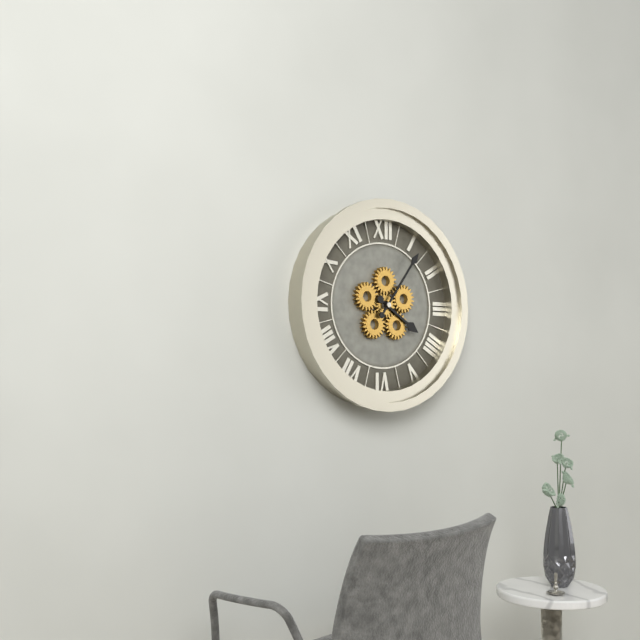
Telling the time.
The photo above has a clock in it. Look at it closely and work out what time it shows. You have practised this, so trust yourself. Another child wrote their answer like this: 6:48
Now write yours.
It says 4:06
